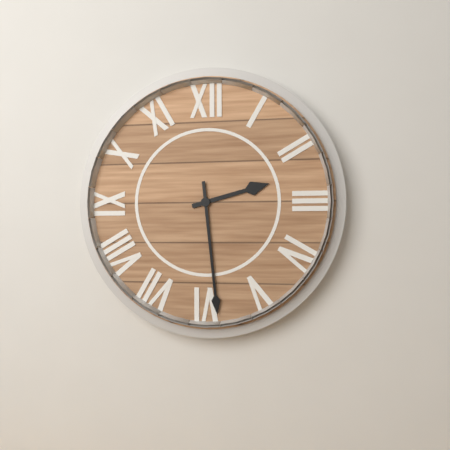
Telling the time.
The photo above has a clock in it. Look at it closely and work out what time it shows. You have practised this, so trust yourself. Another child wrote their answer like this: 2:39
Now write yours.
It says 2:29
